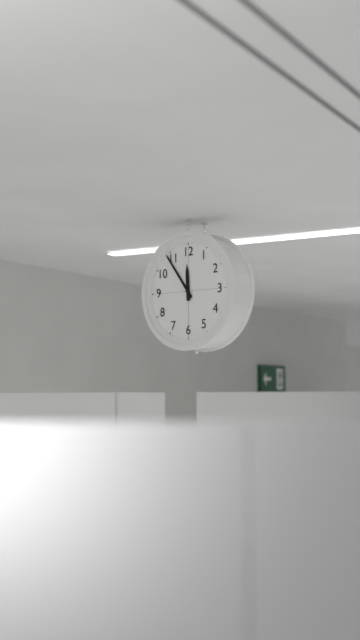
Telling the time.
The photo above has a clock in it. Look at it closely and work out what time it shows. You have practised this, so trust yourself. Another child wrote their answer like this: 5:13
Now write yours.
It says 11:54
